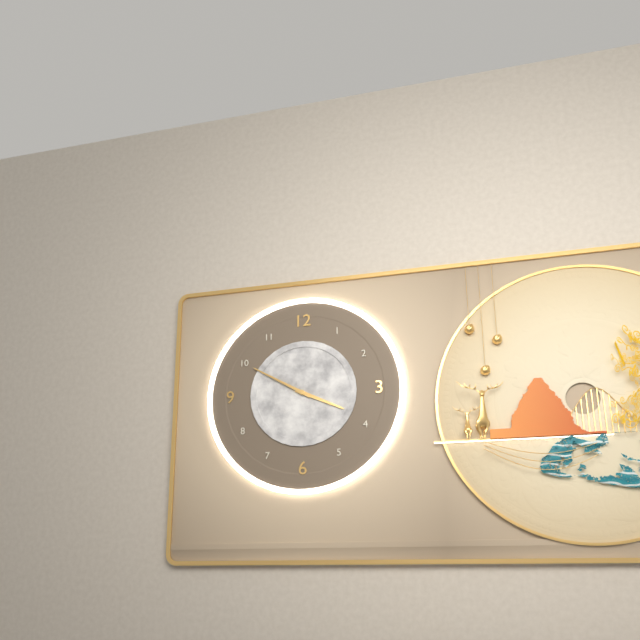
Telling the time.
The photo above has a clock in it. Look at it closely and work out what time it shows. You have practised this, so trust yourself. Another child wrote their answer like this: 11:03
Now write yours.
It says 3:50
